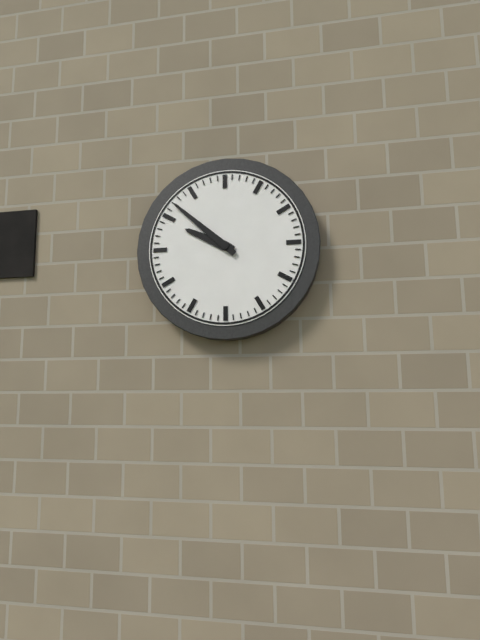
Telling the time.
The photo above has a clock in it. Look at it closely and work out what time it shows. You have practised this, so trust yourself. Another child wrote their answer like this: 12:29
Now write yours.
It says 9:52
